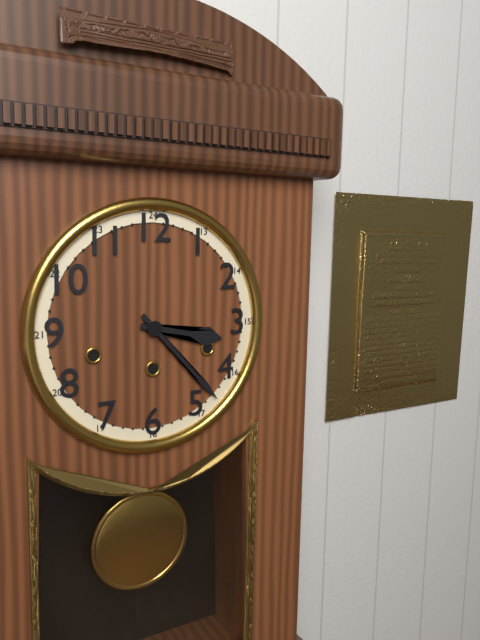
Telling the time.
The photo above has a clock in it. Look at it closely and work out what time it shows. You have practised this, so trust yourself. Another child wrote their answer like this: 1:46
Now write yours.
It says 3:23
